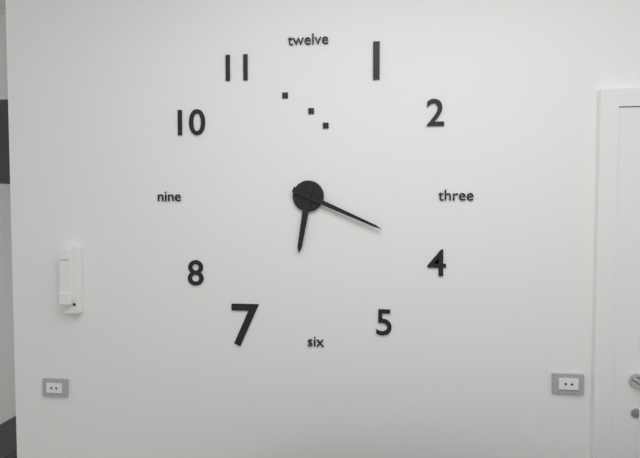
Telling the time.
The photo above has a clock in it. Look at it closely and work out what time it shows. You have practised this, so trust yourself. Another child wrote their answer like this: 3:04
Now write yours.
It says 6:19
